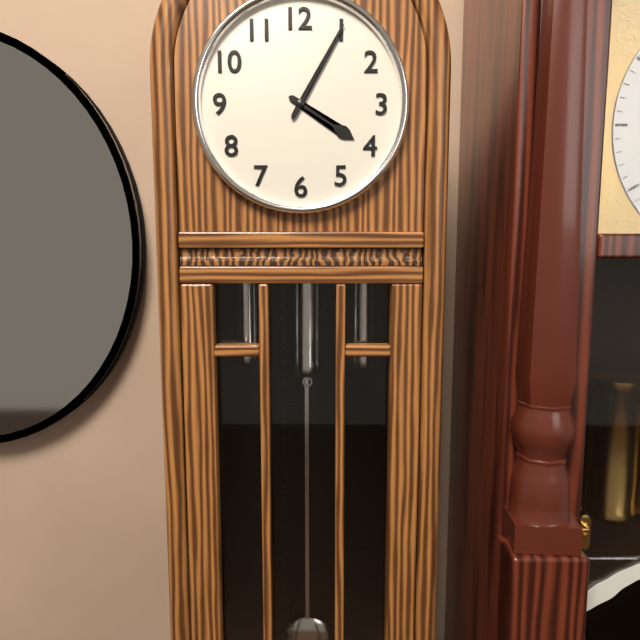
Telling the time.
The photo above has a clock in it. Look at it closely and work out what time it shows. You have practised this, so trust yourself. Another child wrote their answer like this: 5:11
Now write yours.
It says 4:05
